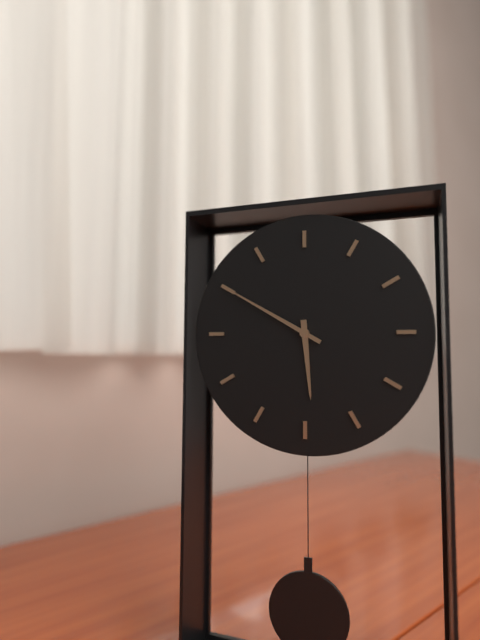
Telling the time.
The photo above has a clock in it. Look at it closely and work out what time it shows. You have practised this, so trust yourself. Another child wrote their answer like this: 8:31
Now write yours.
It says 5:50
